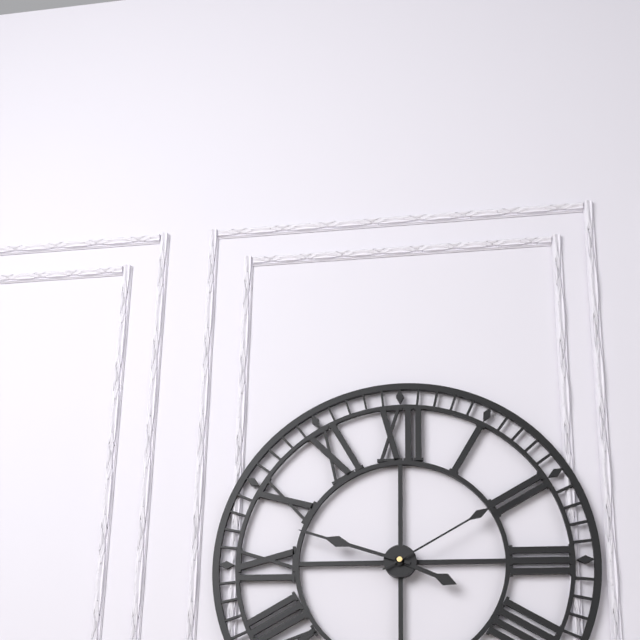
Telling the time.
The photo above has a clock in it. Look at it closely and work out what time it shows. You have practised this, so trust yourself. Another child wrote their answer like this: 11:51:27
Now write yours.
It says 3:48:10
